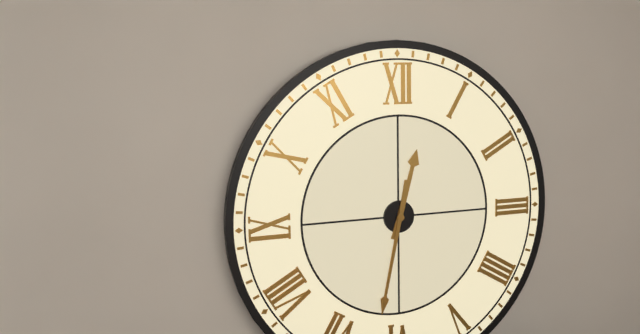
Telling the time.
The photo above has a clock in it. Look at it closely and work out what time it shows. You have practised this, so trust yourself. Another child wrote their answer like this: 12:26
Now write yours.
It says 12:32
